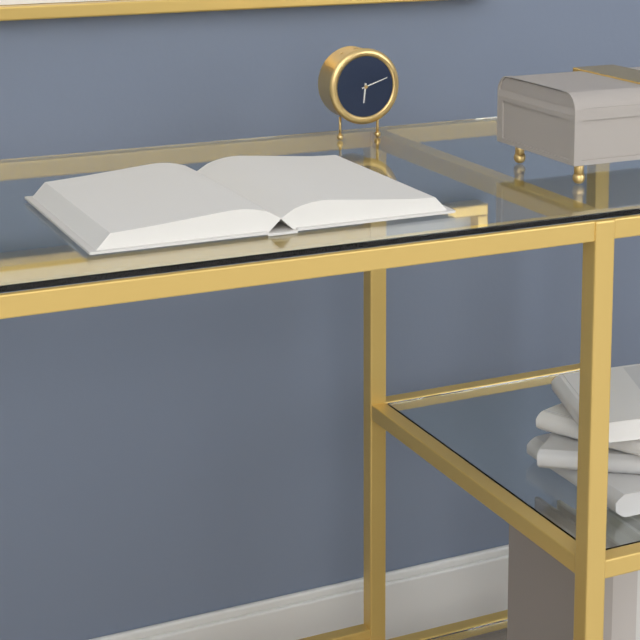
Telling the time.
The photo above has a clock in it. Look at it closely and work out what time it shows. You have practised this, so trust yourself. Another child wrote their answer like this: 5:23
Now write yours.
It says 6:12
